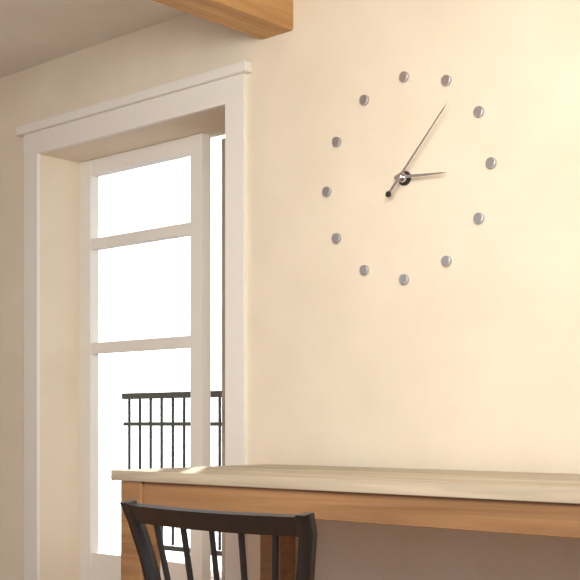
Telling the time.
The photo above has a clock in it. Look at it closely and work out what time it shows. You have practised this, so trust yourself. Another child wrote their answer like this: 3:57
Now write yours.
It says 3:07
